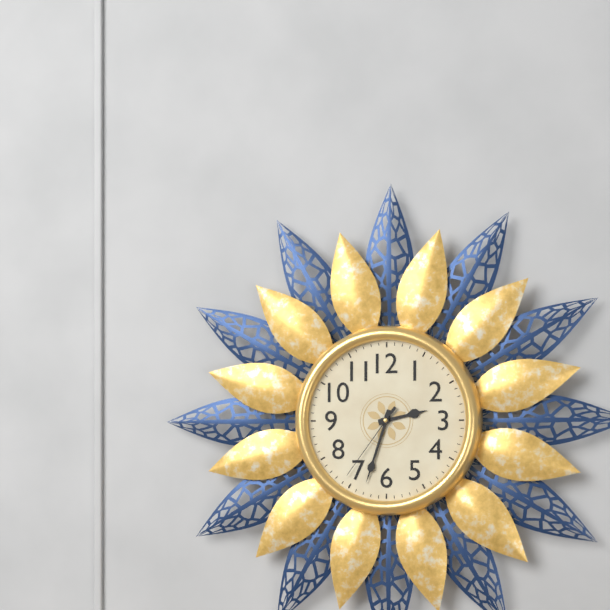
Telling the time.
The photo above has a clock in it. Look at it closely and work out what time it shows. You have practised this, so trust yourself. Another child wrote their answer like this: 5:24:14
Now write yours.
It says 2:33:36
